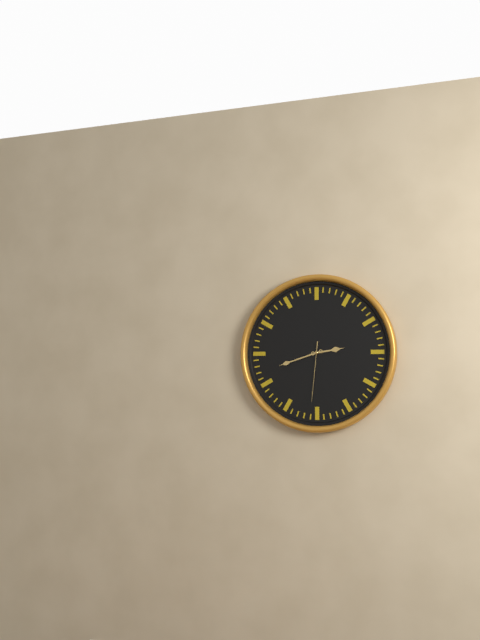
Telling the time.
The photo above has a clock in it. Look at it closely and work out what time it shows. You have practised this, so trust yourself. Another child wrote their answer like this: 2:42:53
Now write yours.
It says 2:42:31
